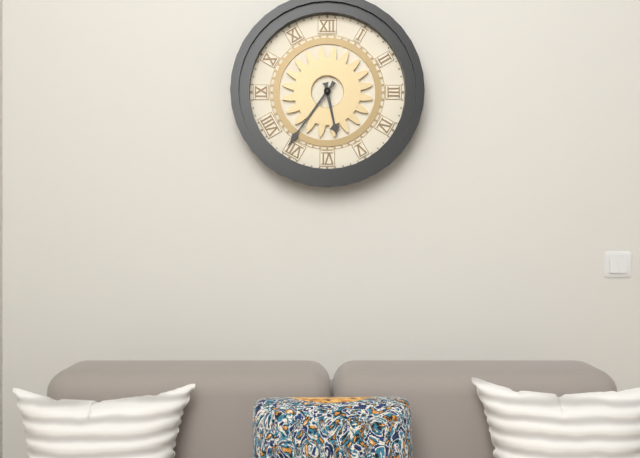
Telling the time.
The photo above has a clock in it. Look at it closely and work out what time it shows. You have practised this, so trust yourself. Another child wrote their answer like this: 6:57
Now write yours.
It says 5:36
